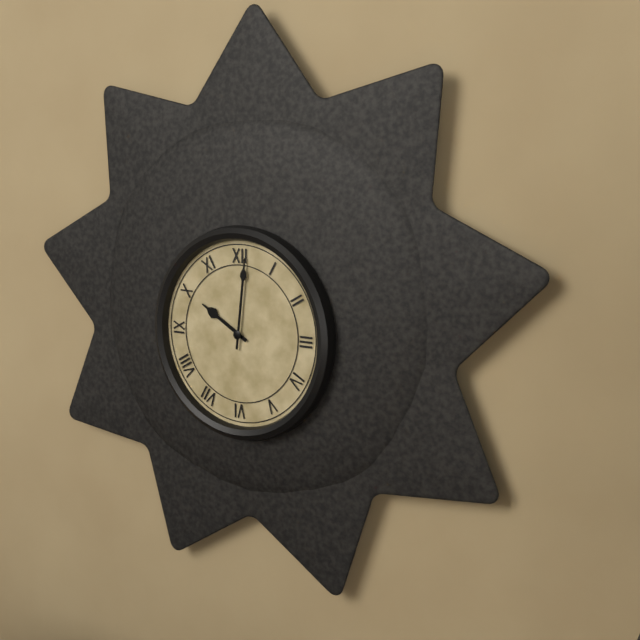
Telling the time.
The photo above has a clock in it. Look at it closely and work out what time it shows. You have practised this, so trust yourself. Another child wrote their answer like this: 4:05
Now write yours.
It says 10:01
